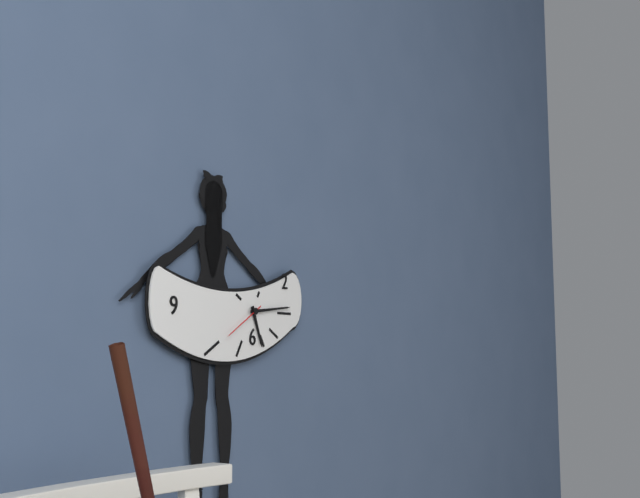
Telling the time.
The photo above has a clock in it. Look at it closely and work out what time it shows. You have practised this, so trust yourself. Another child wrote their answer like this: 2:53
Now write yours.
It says 5:14
